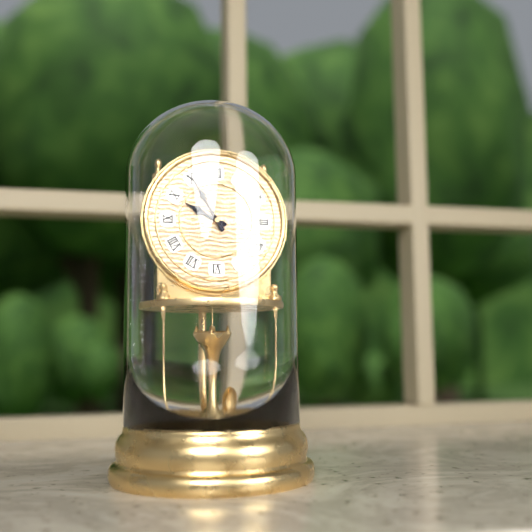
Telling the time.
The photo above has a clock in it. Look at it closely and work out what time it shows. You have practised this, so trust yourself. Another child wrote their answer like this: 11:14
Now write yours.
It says 9:55
